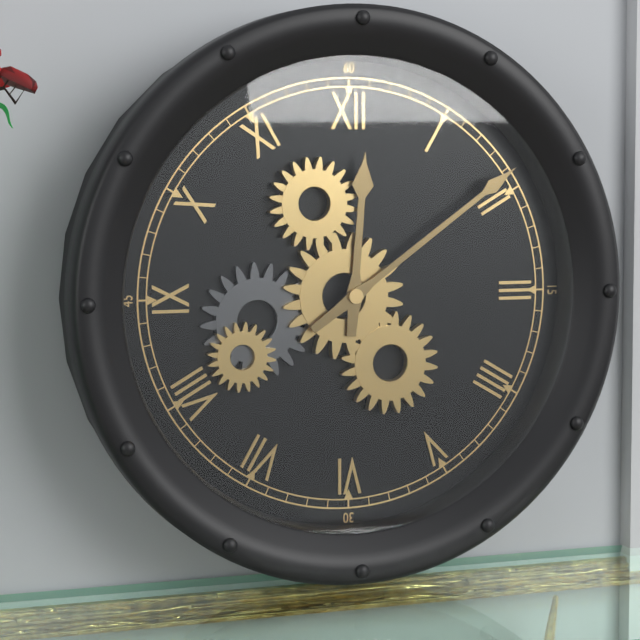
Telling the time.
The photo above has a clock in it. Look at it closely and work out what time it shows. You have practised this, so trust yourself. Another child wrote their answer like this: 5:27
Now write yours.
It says 12:09
